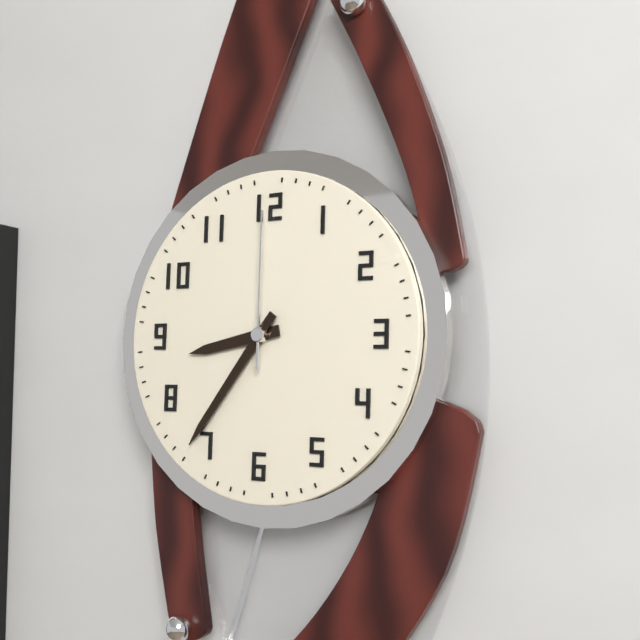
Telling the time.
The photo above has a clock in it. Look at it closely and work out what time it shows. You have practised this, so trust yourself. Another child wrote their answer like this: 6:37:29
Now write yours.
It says 8:36:00
